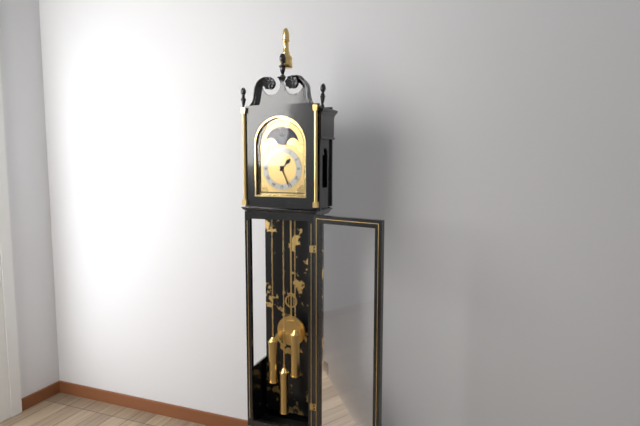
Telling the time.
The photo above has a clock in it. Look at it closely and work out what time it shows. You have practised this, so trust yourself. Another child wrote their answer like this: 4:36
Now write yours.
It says 1:26
